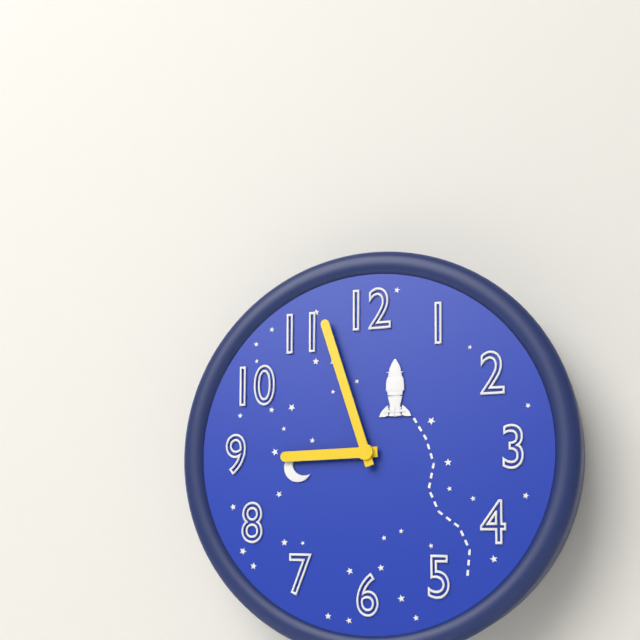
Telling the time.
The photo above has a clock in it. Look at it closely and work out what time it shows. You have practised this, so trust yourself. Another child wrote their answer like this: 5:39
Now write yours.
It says 8:57
